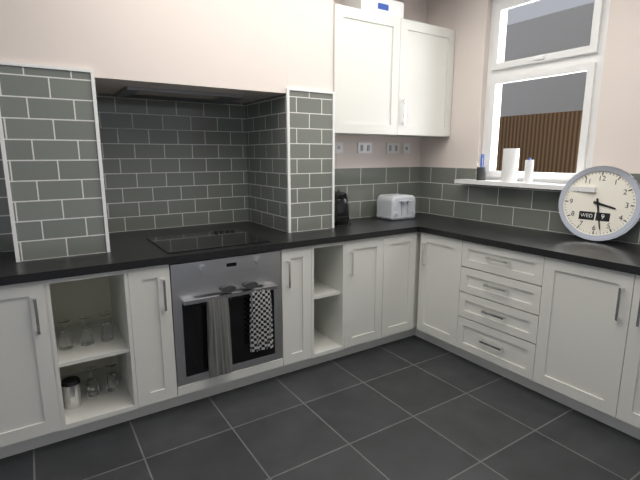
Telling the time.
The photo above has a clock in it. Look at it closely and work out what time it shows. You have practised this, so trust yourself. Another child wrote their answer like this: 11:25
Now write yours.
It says 3:28
